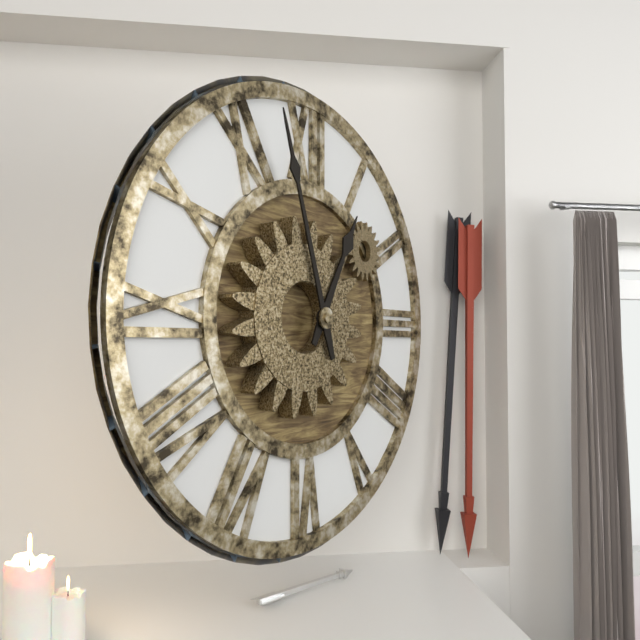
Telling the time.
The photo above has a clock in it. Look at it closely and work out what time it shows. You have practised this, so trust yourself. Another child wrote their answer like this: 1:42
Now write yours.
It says 12:57
